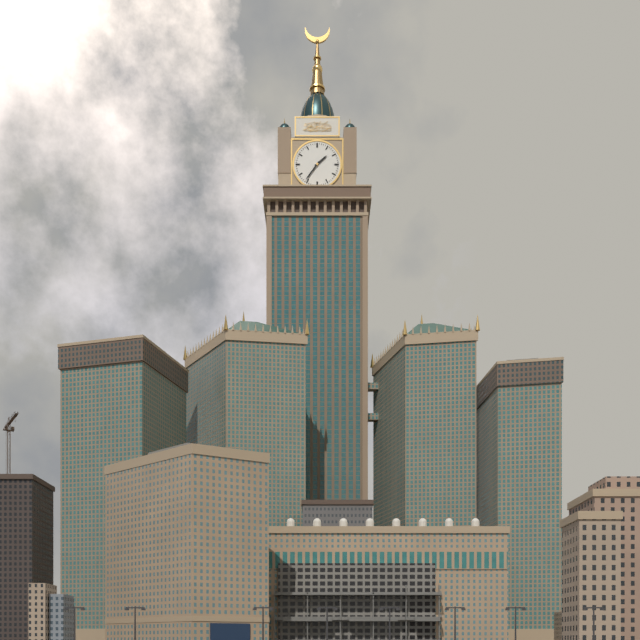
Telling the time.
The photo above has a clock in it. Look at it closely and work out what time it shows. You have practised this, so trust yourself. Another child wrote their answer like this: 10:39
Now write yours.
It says 1:36
